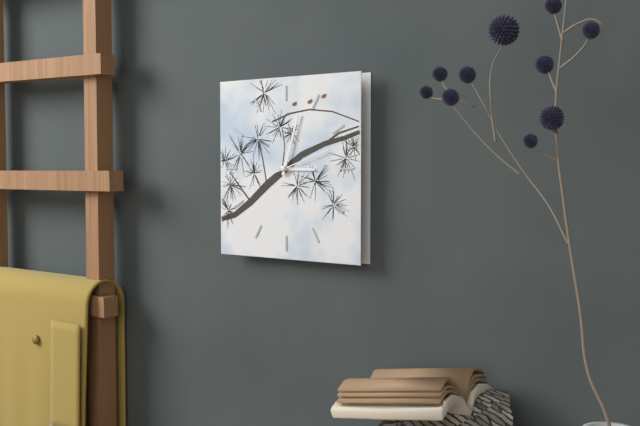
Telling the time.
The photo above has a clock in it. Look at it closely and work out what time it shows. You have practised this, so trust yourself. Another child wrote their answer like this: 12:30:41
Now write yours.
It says 3:03:12
